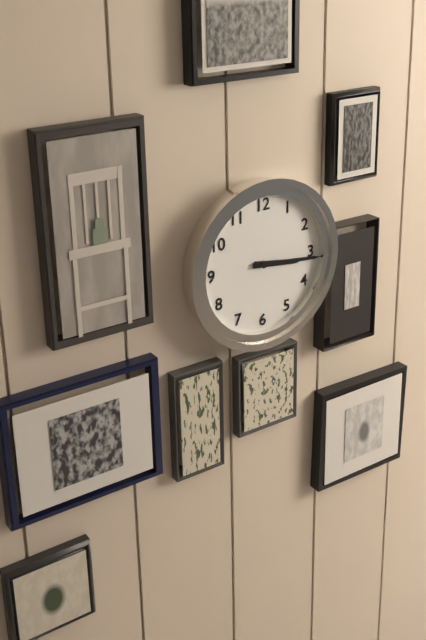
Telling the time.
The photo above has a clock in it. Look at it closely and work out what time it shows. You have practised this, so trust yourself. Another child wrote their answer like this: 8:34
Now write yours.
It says 3:16
